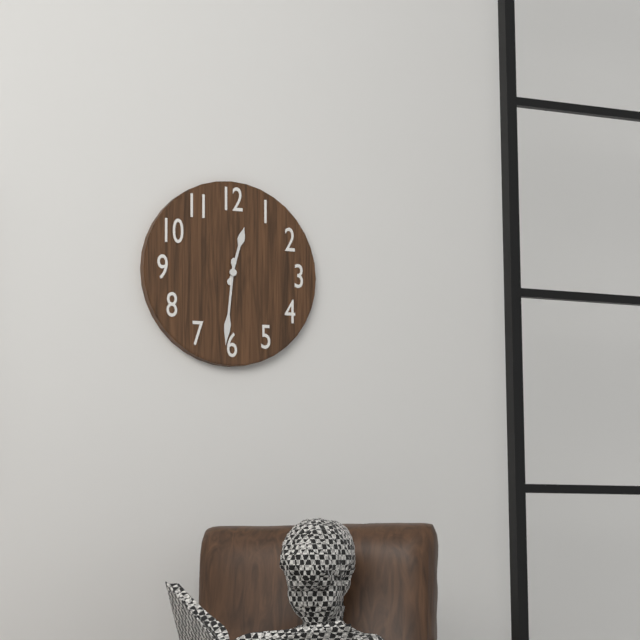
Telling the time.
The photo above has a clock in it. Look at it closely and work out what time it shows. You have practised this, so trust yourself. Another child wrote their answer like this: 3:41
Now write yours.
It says 12:31
